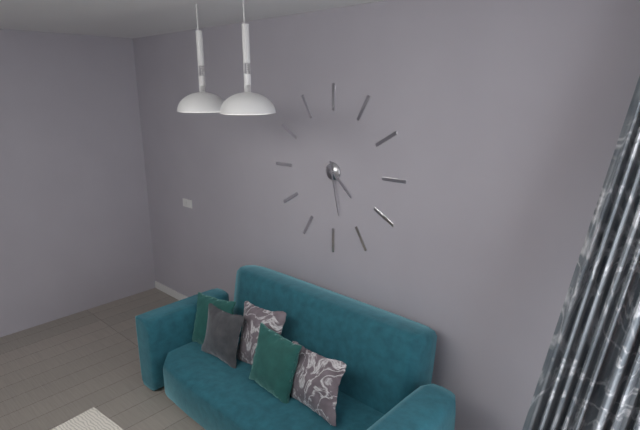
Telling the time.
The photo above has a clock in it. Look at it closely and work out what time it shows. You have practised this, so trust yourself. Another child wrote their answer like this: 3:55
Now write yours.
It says 4:28
